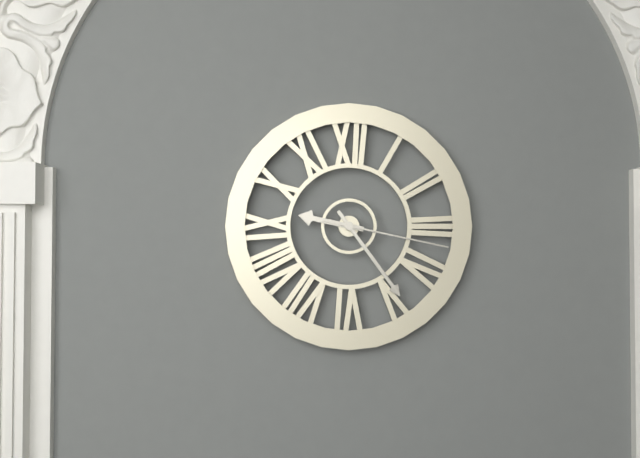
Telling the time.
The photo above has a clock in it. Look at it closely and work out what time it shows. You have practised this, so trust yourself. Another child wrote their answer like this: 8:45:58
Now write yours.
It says 9:24:17
